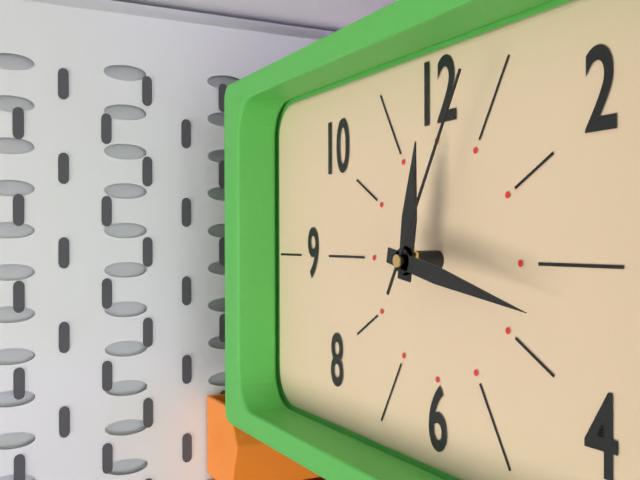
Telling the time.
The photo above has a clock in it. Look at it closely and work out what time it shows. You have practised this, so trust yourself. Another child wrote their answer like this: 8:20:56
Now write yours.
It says 12:17:05
